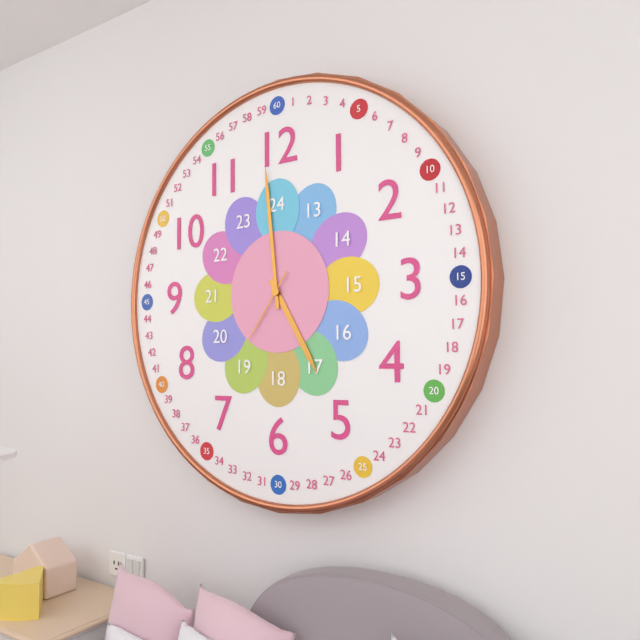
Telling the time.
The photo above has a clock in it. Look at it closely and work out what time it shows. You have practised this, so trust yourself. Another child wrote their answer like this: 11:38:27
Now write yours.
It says 4:59:36
